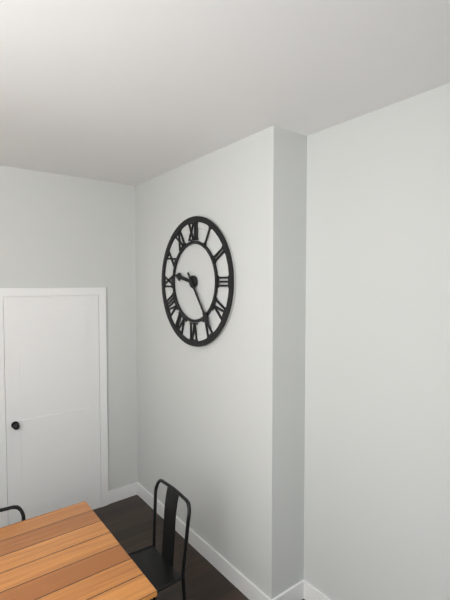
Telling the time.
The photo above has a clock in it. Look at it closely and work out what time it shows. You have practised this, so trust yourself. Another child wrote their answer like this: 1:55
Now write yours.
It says 9:24
